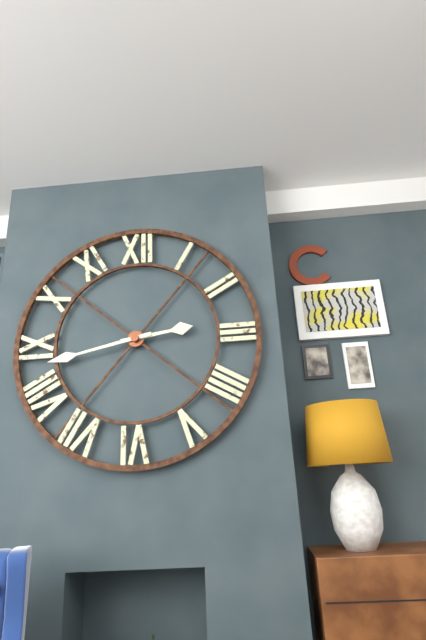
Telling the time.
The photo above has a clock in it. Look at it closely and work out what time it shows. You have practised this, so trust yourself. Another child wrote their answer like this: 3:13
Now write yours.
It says 2:43
